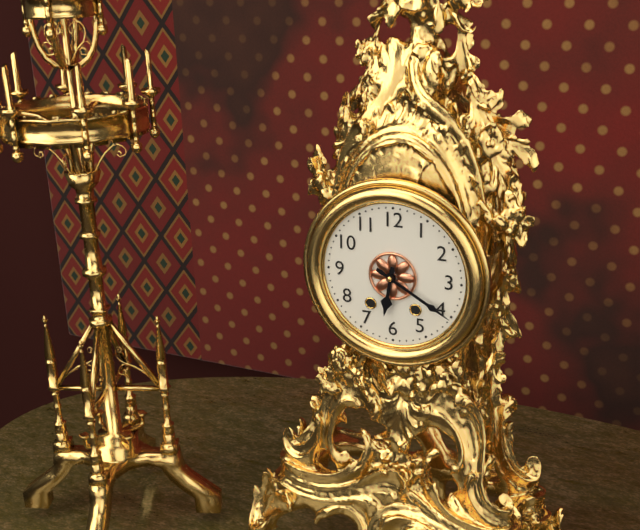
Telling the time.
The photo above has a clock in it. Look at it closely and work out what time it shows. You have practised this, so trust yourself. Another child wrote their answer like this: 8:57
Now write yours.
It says 6:20
